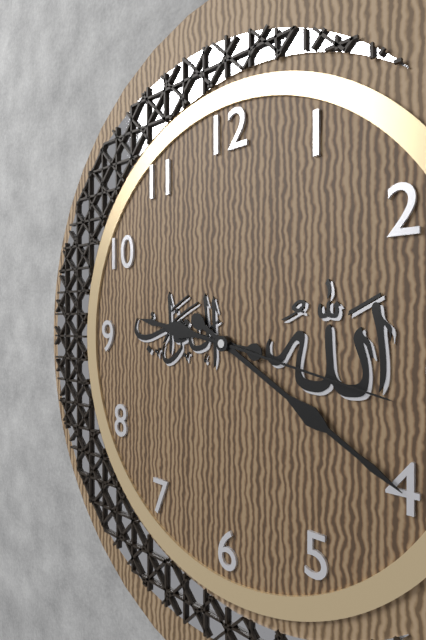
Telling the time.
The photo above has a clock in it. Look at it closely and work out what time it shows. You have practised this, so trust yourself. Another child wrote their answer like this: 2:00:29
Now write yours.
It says 9:20:17
